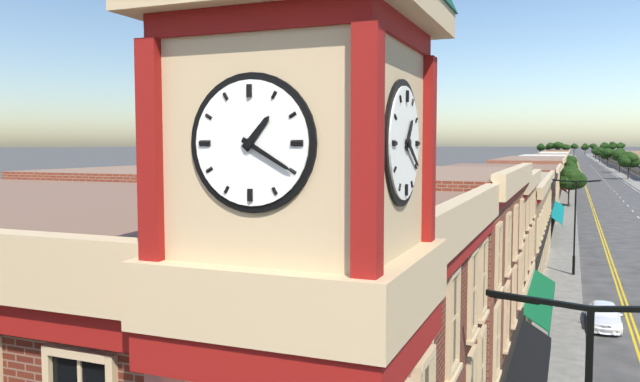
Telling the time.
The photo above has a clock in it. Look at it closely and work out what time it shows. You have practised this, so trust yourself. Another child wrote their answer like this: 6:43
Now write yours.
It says 1:20
